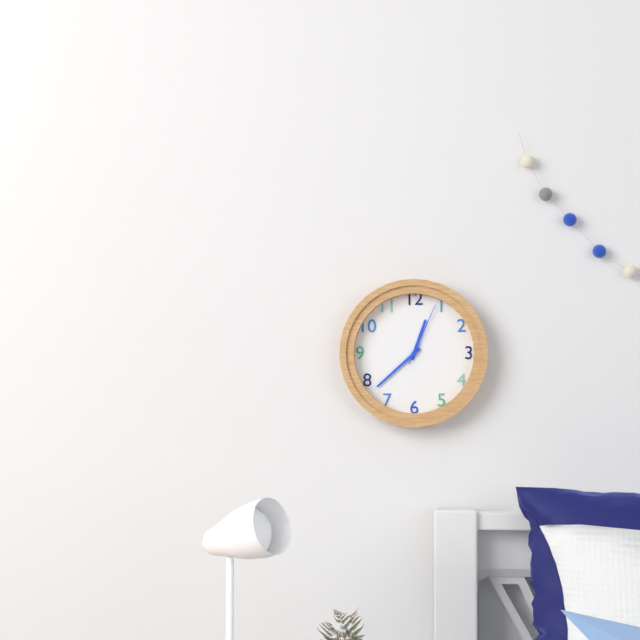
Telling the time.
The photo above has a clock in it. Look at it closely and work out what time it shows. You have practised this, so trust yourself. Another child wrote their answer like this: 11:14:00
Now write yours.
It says 12:38:04
